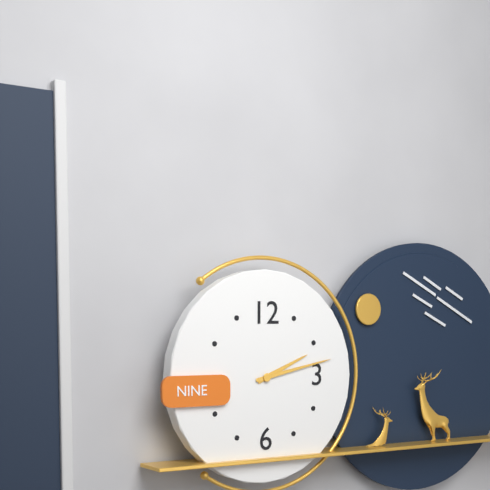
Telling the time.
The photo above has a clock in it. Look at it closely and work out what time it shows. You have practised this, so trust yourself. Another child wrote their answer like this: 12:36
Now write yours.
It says 2:13
